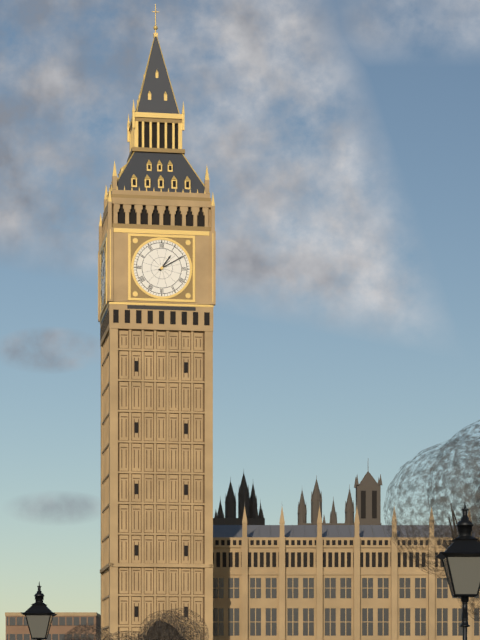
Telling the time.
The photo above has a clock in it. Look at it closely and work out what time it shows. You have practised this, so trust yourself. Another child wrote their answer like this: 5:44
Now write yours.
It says 1:10
